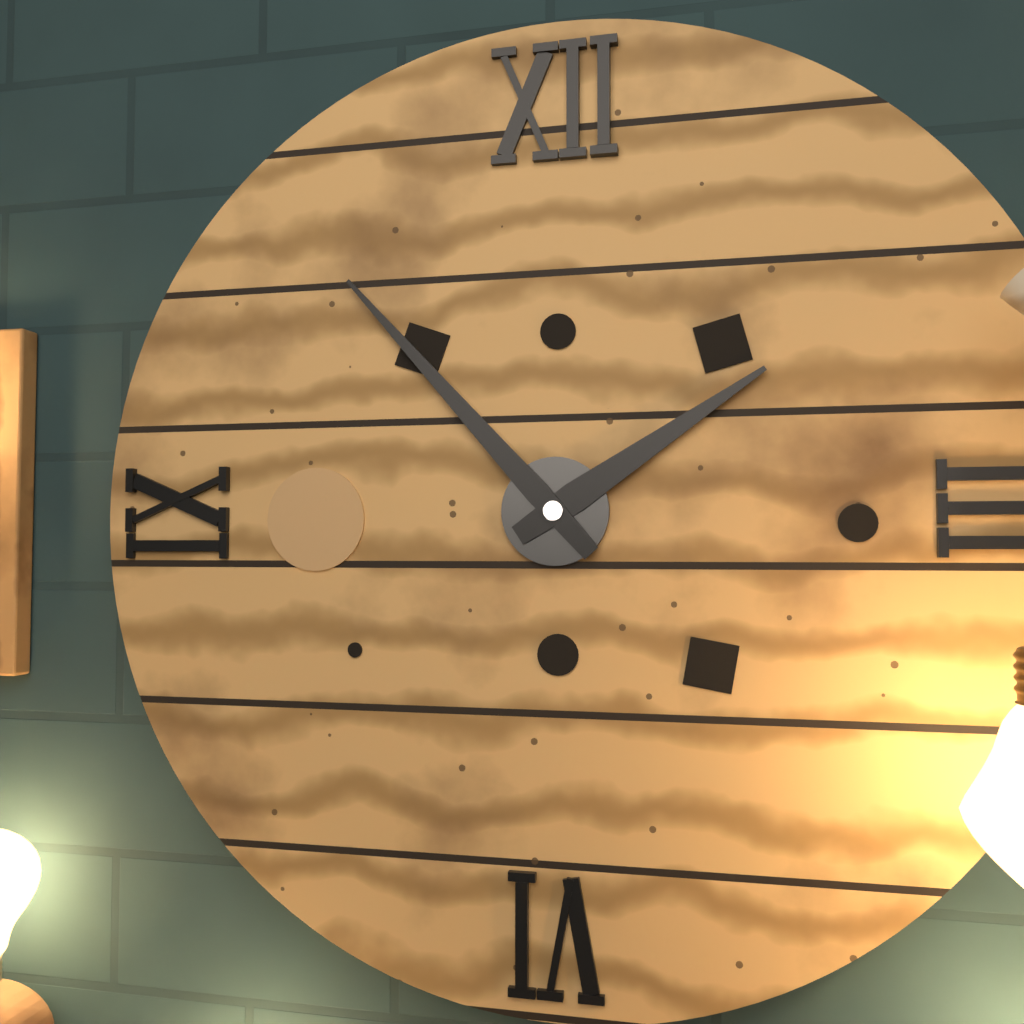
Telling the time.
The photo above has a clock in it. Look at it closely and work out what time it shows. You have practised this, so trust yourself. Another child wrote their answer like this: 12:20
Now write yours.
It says 1:53
